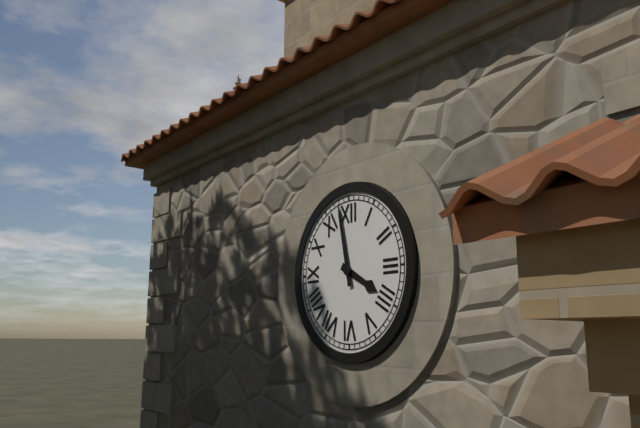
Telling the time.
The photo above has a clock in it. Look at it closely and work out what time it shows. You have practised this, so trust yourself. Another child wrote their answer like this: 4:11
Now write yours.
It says 3:58
